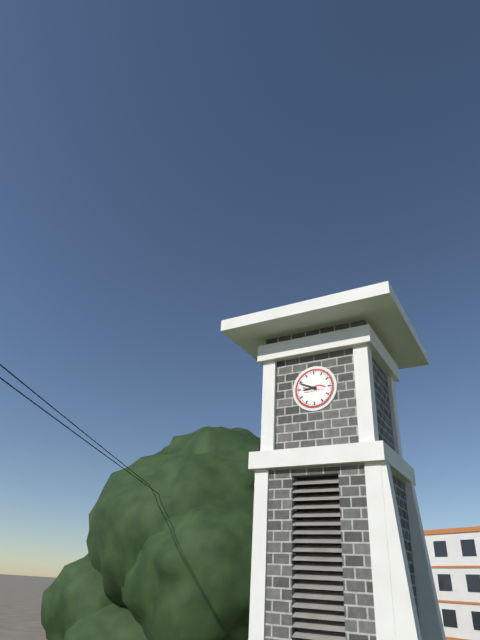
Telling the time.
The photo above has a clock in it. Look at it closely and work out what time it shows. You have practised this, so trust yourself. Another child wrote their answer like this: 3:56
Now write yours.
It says 8:49
